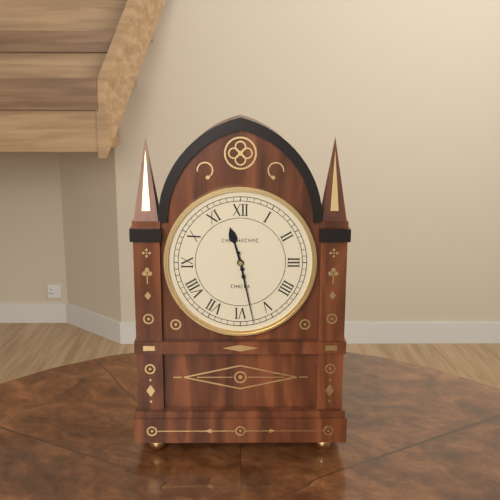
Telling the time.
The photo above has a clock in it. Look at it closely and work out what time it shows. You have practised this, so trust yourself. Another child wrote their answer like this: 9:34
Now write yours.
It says 11:28
